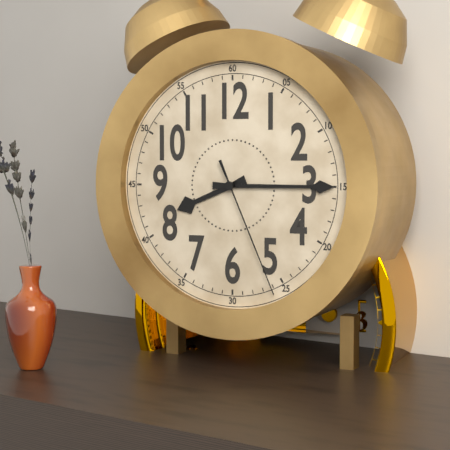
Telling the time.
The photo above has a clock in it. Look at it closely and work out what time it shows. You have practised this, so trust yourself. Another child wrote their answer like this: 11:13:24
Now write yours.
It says 8:15:26
